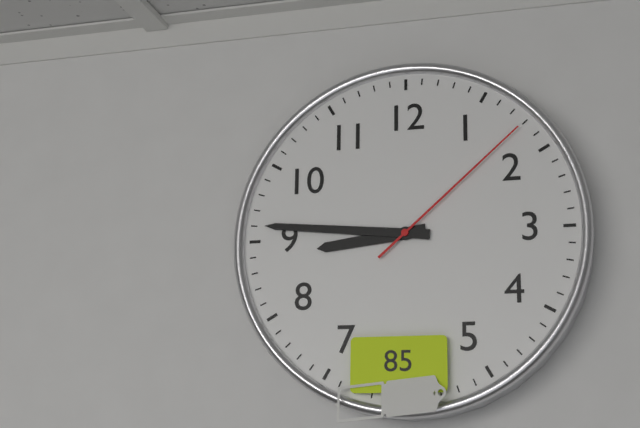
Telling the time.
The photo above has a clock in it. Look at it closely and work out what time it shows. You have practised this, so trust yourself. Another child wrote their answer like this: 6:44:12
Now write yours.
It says 8:46:08
